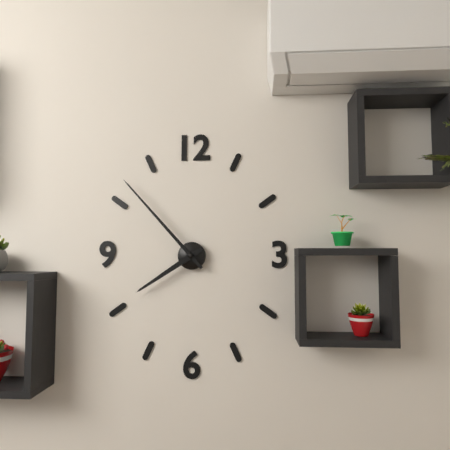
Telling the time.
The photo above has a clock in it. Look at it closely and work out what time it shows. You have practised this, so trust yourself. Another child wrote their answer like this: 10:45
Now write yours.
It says 7:53
